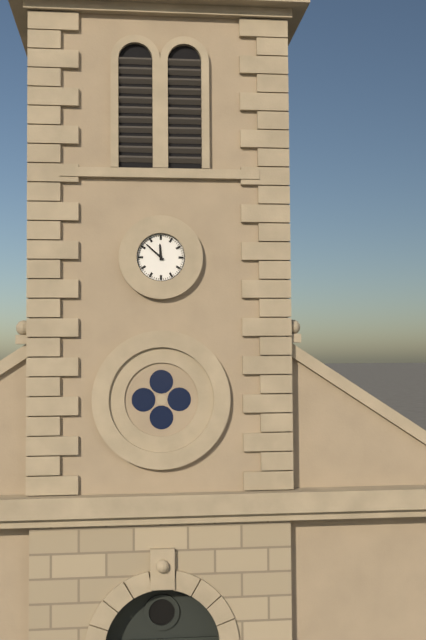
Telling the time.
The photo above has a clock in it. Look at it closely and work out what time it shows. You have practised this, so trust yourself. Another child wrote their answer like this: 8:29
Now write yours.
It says 11:52
